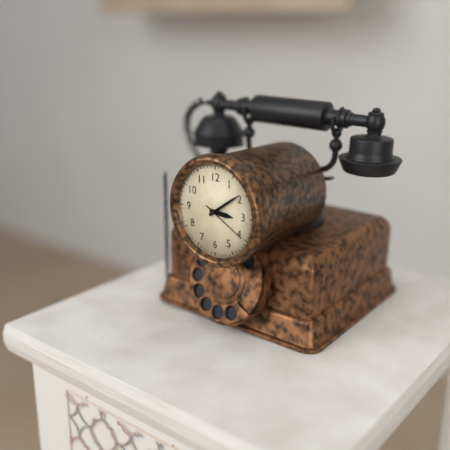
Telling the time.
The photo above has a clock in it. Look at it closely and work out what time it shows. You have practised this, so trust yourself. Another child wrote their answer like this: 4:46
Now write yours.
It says 3:09
